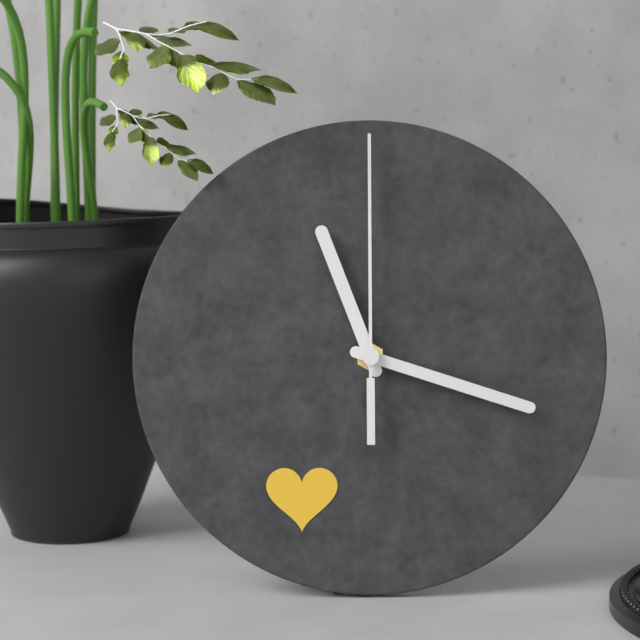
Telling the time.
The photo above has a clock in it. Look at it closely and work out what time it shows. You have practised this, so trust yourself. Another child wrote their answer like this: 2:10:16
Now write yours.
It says 11:18:00
